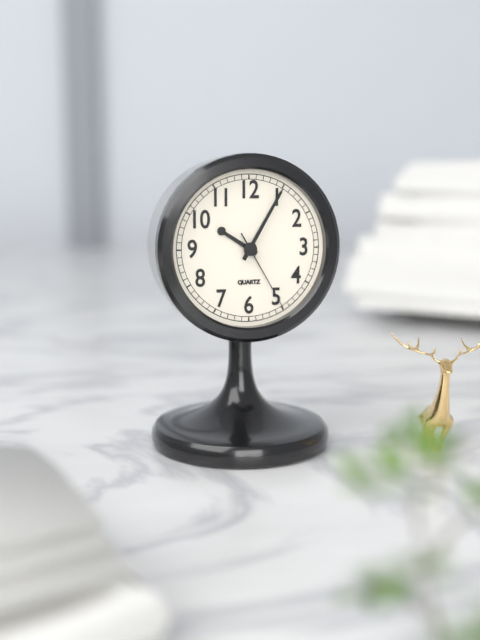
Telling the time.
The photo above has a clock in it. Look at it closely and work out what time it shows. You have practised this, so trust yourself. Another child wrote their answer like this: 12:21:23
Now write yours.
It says 10:05:25
